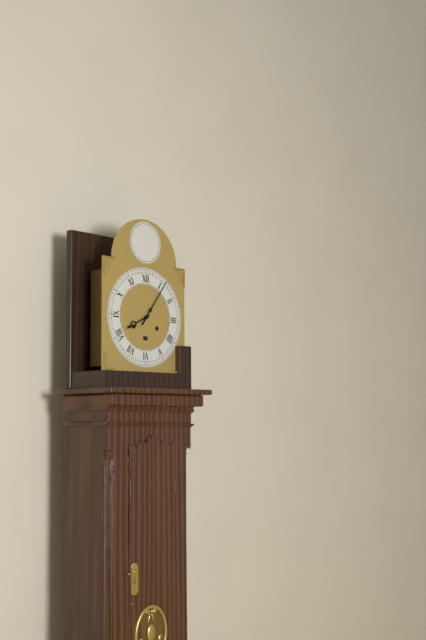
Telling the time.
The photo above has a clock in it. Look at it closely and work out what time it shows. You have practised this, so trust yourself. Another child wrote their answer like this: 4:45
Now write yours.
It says 8:06
